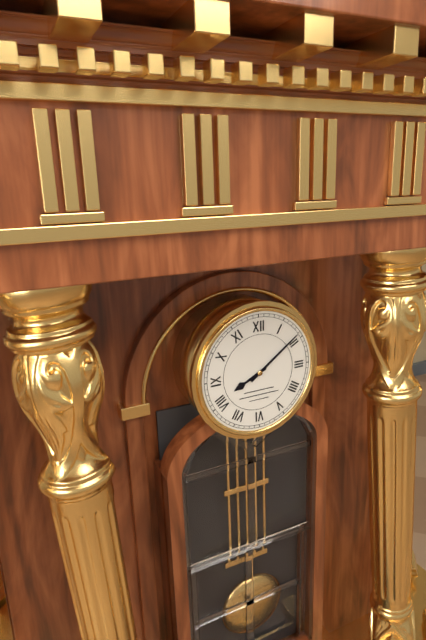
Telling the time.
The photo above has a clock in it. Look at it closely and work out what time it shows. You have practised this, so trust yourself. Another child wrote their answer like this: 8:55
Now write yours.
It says 8:09
